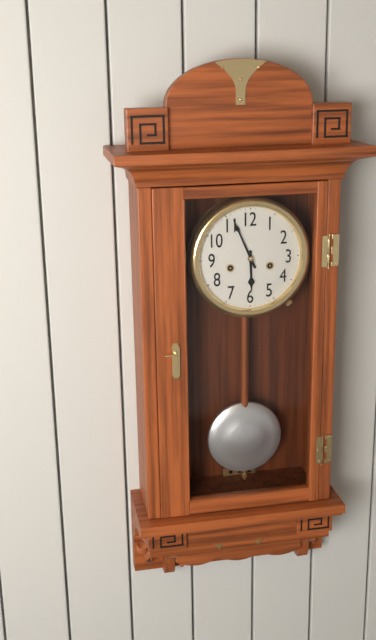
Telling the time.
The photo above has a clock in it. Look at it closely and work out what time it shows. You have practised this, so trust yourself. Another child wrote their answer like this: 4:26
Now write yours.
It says 5:56
